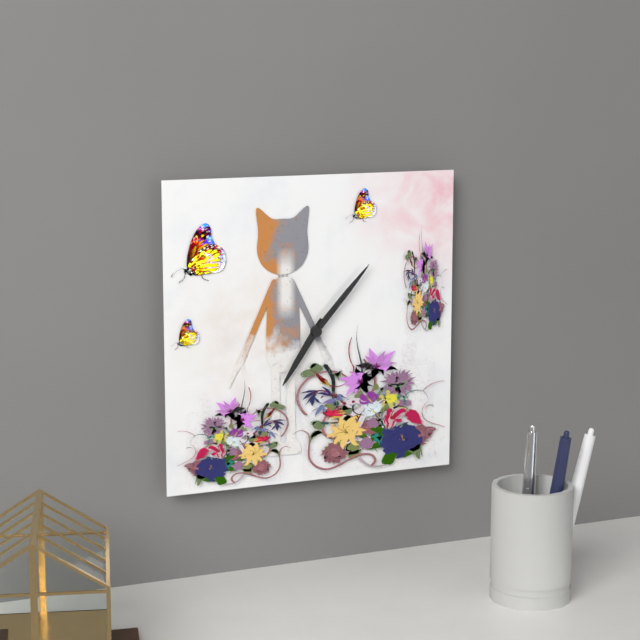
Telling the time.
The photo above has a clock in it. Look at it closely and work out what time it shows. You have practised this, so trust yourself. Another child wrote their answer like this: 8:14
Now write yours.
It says 7:07
